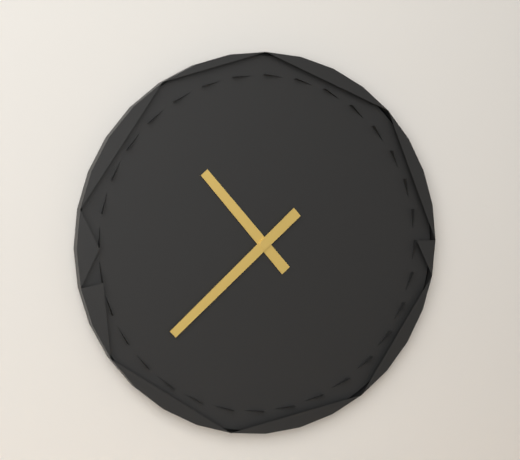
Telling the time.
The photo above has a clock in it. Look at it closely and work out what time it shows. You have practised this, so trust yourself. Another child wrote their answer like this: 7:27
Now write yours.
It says 10:38
